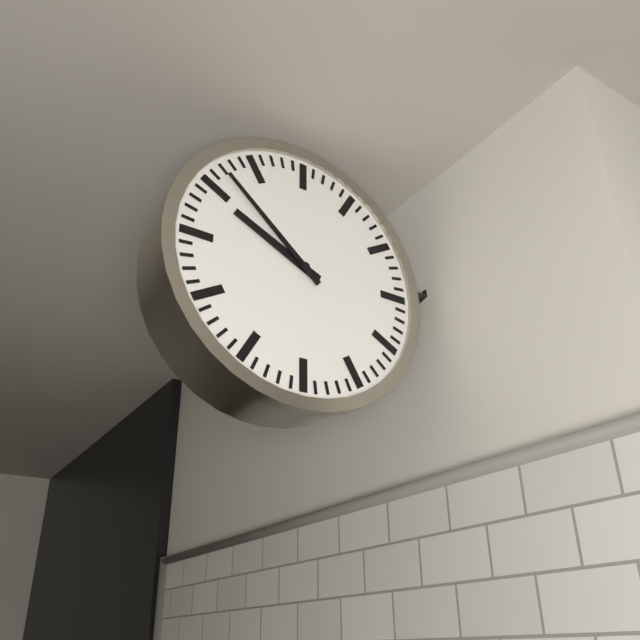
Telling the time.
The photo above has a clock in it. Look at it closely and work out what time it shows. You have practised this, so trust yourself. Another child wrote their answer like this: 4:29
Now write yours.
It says 9:52
